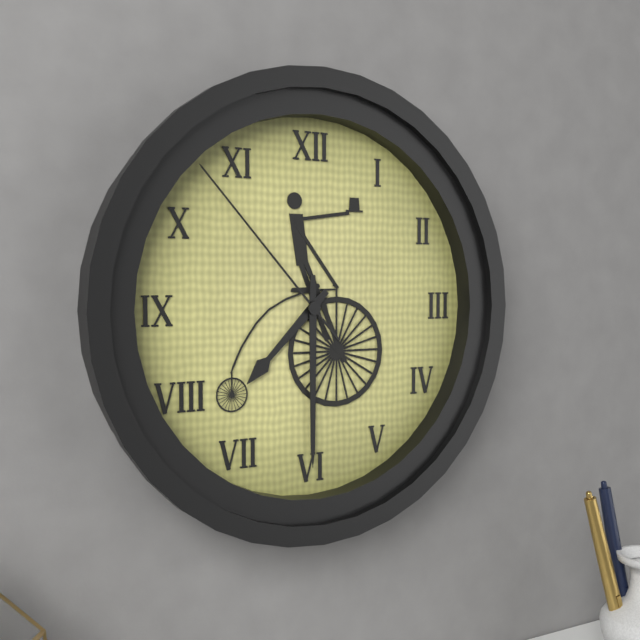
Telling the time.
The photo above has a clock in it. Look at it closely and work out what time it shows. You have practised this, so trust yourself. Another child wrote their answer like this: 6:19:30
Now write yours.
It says 7:30:53
